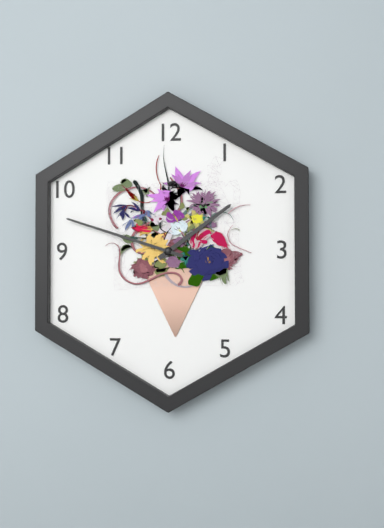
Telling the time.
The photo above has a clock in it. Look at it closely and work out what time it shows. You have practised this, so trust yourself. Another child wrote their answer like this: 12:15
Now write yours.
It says 1:48
